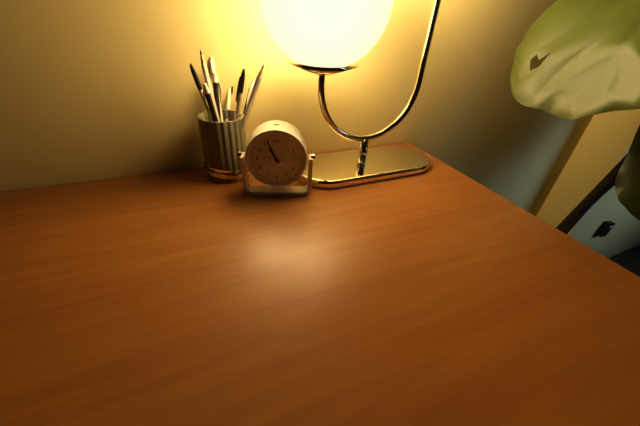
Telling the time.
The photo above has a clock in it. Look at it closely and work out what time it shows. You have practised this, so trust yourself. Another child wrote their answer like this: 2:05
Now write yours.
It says 10:56
